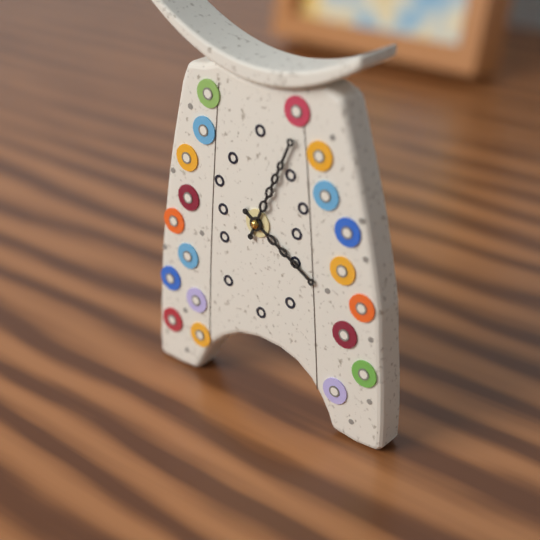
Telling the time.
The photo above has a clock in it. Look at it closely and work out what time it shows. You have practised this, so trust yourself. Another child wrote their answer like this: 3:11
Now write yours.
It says 4:04
